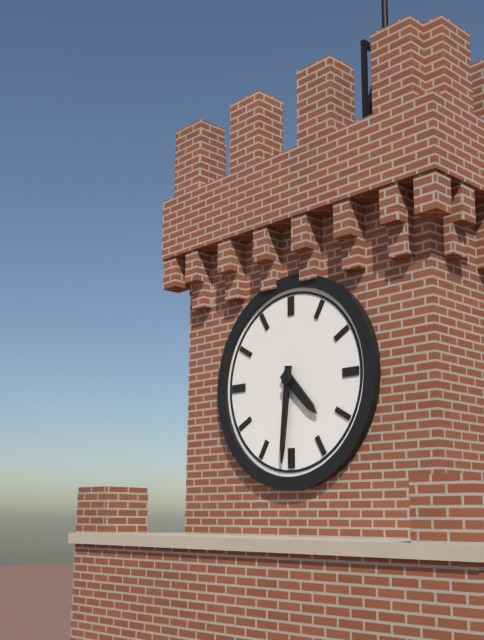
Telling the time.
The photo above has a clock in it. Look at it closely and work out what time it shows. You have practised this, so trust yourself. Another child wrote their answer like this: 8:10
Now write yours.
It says 4:31
